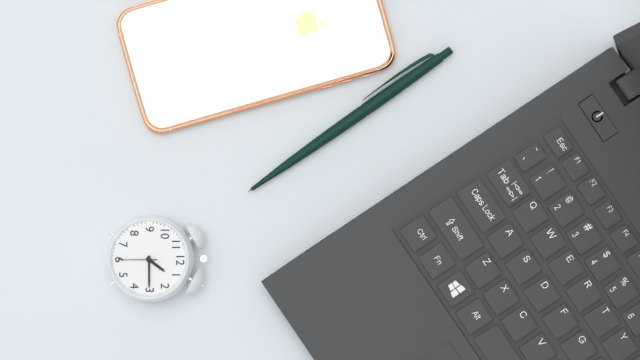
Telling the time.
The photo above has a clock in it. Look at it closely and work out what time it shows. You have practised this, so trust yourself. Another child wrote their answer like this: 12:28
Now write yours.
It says 1:15
